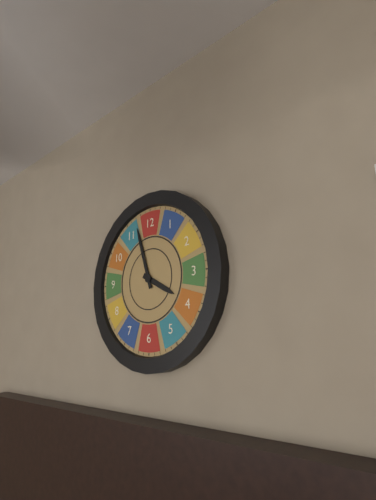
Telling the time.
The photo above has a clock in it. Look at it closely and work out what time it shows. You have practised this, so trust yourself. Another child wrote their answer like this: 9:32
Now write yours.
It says 3:57
